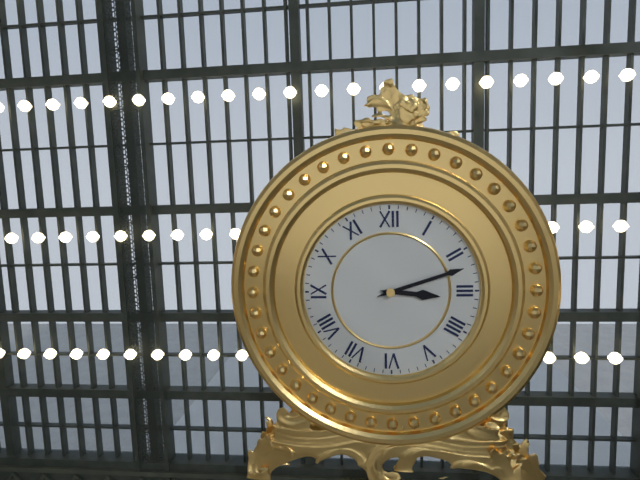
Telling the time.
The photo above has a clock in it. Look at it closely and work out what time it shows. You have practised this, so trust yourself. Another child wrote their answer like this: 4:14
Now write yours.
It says 3:12
